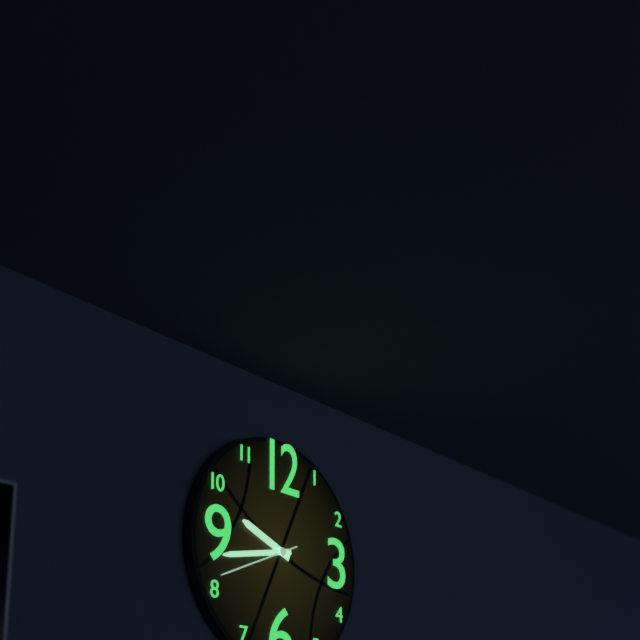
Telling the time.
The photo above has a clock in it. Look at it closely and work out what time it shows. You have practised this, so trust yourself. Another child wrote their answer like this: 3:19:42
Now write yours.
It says 9:43:41
